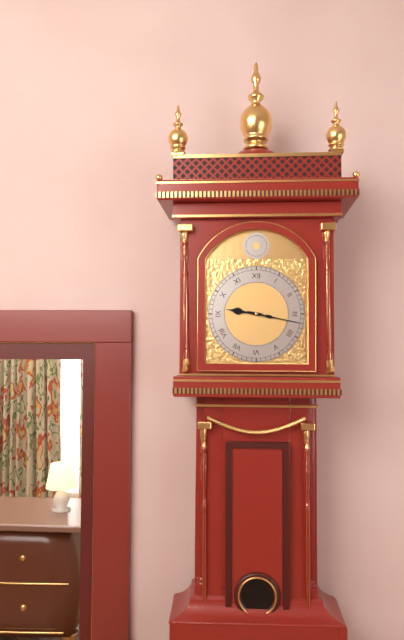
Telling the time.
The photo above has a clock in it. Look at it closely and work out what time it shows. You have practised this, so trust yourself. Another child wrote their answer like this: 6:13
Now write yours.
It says 9:17
